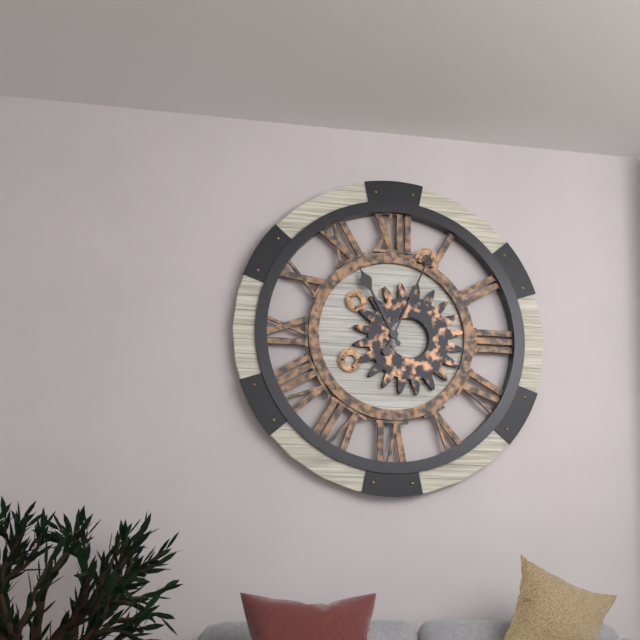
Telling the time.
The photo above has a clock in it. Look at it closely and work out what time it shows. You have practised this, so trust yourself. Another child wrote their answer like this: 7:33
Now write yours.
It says 11:04
